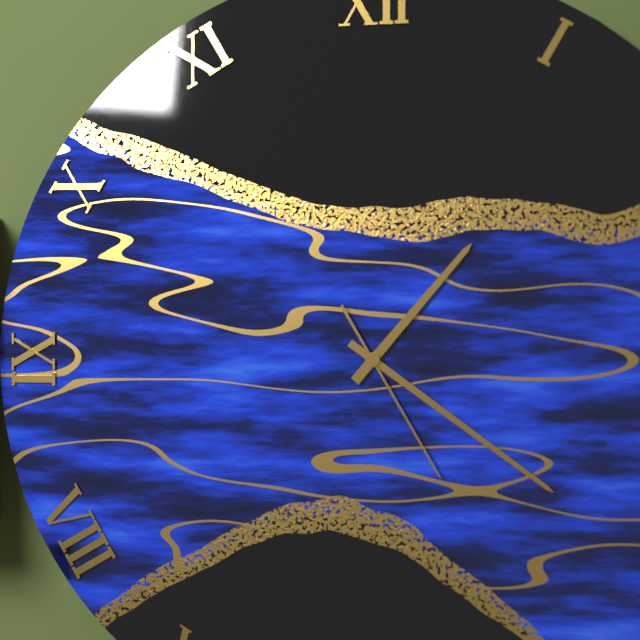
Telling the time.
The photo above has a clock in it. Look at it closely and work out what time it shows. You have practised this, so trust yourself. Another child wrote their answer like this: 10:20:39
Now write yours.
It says 1:21:25
